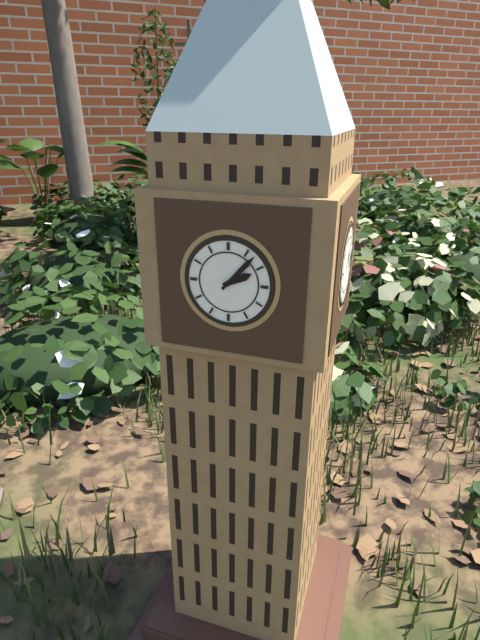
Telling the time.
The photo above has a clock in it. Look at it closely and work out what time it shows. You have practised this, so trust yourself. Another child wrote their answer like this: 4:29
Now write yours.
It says 2:07
